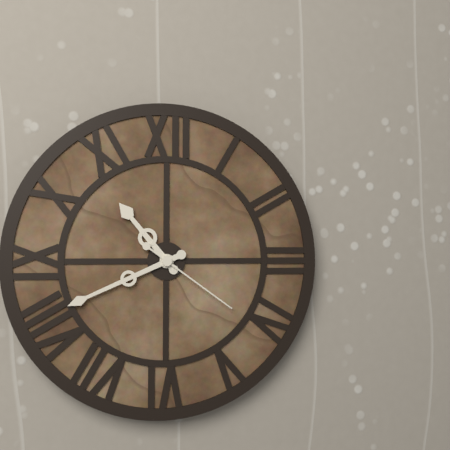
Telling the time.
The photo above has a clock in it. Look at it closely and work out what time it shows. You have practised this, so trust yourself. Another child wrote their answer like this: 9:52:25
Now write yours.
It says 10:41:21
